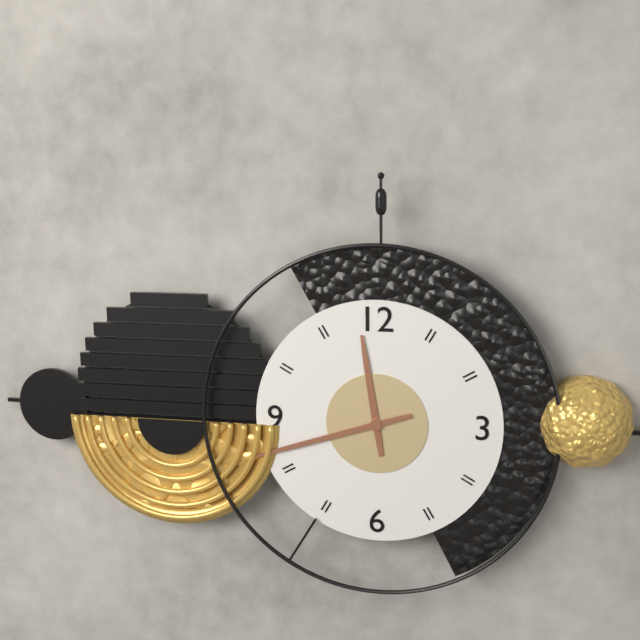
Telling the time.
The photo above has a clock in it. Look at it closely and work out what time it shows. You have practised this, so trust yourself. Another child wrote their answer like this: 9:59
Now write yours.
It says 11:42
